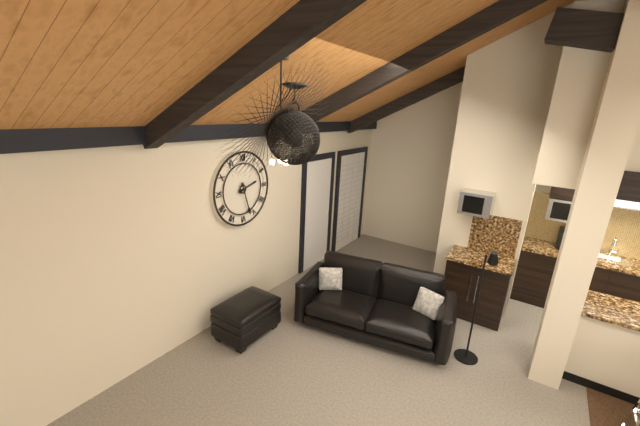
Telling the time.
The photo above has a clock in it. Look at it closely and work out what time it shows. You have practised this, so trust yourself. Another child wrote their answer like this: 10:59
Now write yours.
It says 2:27
